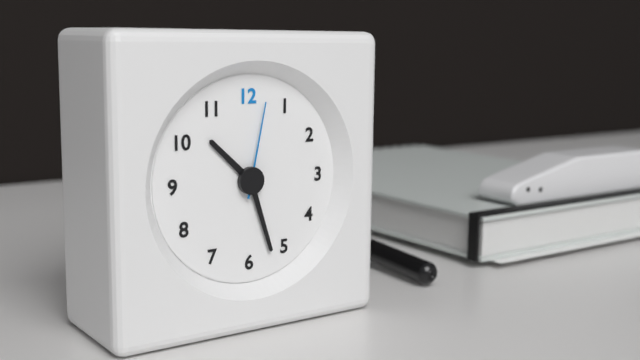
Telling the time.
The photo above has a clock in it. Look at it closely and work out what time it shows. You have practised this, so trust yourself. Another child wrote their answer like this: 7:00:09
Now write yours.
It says 10:27:02
